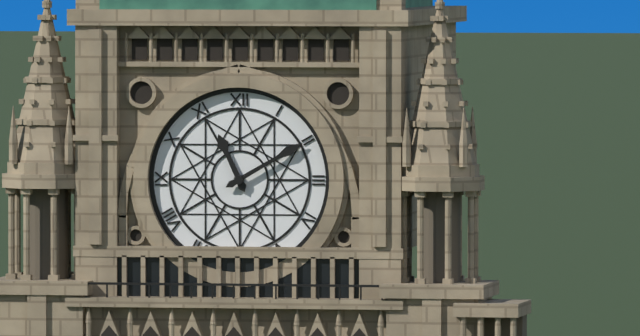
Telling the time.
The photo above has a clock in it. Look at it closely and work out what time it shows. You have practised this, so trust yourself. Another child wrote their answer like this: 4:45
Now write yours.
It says 11:10
